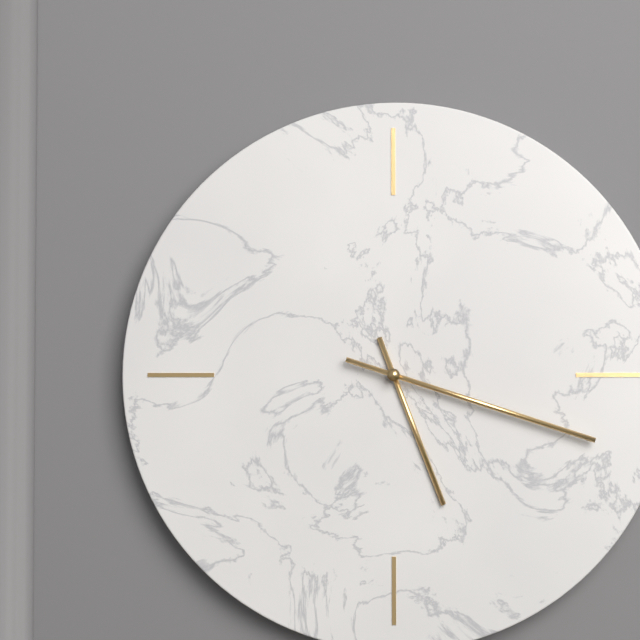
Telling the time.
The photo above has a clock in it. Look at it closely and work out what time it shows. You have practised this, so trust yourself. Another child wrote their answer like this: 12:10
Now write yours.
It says 5:18
